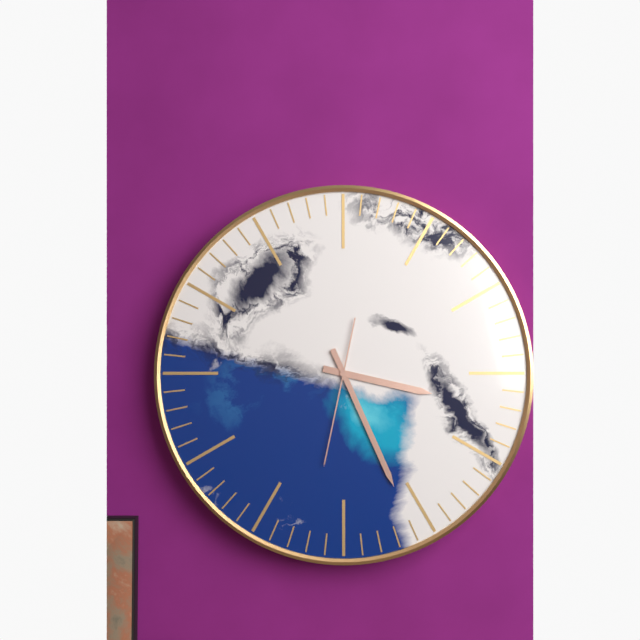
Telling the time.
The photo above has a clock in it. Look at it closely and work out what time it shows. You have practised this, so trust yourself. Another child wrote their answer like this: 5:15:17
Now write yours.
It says 3:26:32
